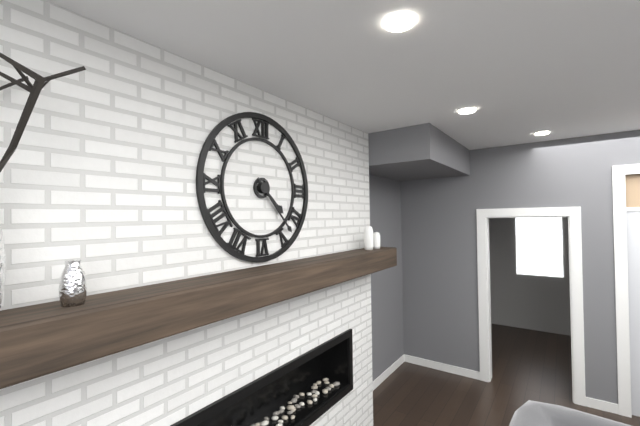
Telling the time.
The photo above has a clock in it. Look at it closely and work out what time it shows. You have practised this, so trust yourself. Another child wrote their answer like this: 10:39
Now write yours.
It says 4:23
